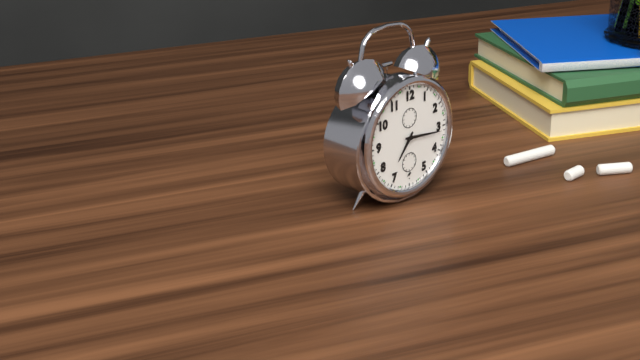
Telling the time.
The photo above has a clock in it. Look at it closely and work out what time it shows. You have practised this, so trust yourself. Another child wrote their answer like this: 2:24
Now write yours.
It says 7:16
